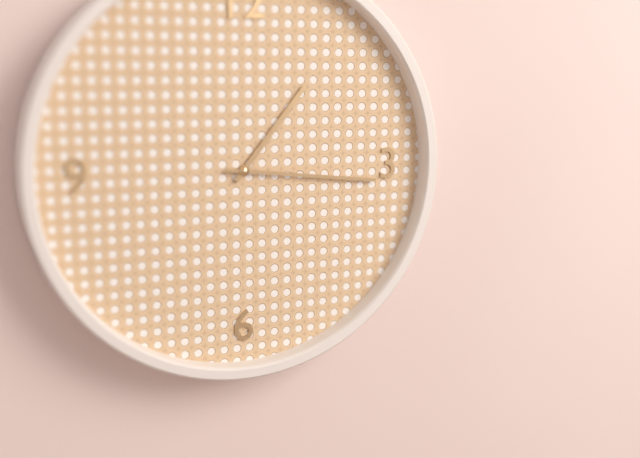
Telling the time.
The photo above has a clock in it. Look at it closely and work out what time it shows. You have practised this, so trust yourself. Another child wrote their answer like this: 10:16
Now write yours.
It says 1:16
